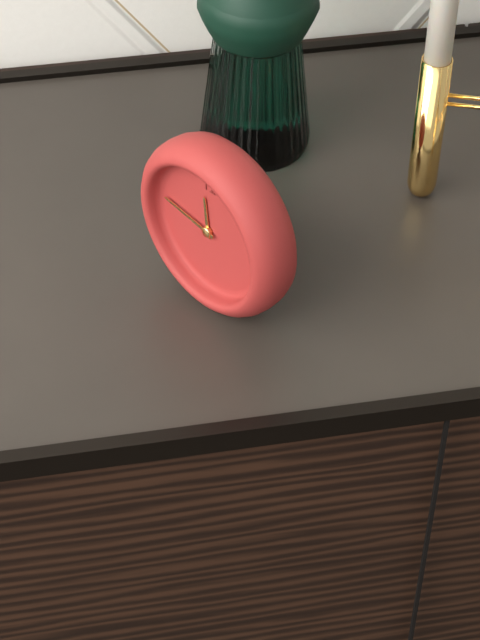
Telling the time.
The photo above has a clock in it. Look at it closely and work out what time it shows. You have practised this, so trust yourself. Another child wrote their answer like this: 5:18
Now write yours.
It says 11:46
